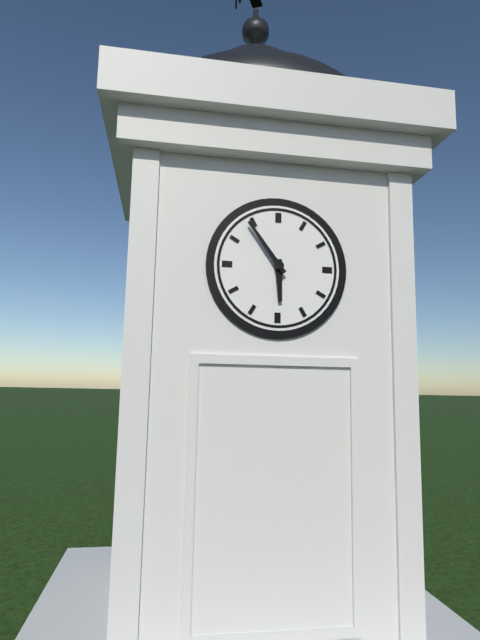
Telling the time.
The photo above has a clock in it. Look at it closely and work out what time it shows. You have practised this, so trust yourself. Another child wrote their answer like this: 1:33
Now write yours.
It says 5:54
